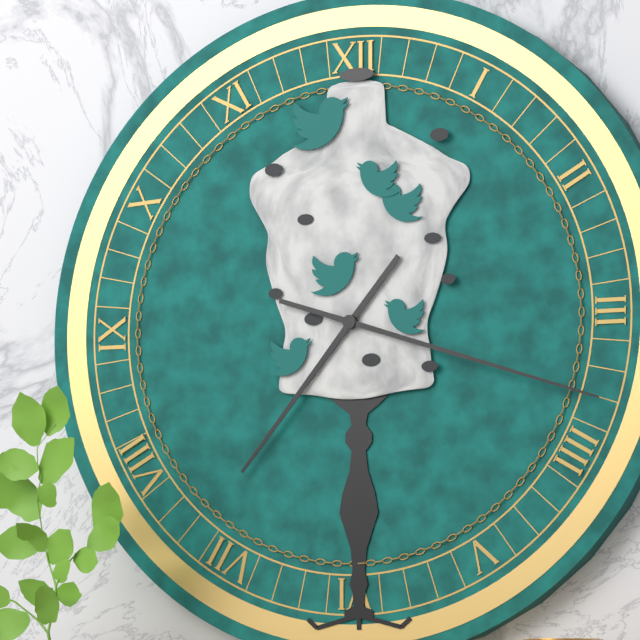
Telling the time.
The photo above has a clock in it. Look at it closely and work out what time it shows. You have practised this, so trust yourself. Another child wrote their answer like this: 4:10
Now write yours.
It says 7:18
